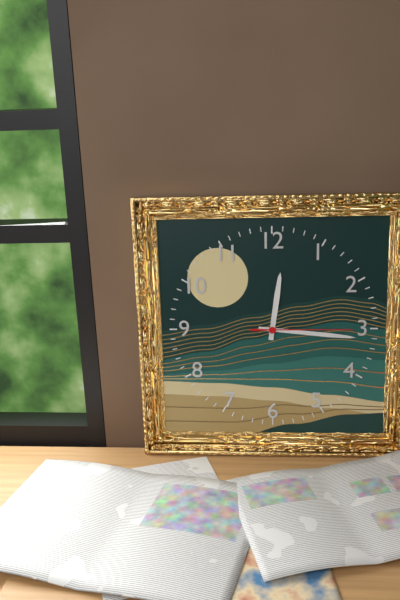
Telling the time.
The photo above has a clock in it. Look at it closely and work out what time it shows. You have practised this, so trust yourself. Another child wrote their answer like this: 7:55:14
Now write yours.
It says 12:16:15
